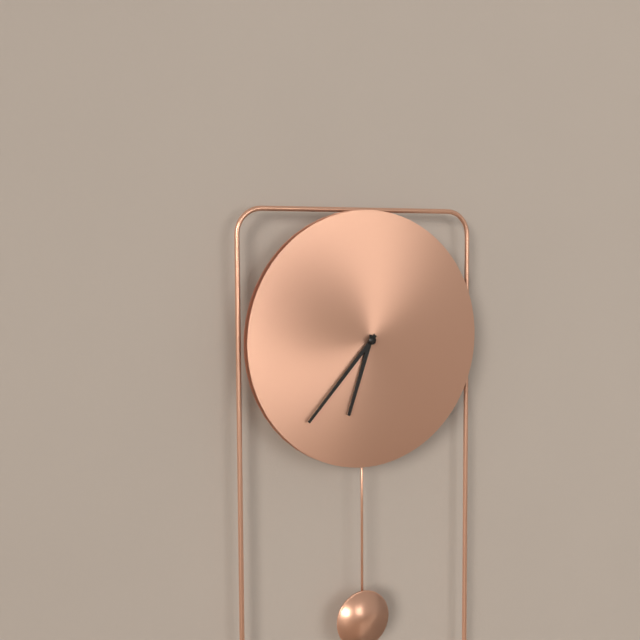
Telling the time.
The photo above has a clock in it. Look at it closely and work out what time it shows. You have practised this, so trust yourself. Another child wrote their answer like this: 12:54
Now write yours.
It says 6:37
